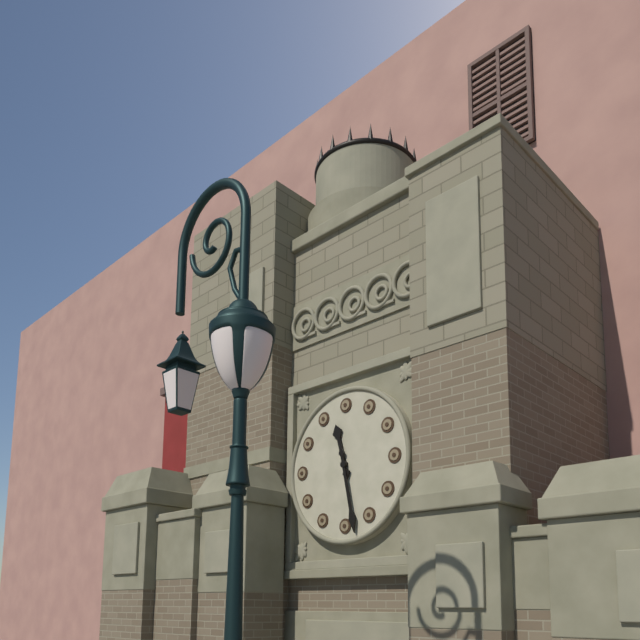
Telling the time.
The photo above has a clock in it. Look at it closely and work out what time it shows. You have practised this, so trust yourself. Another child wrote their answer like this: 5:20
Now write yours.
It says 11:28
